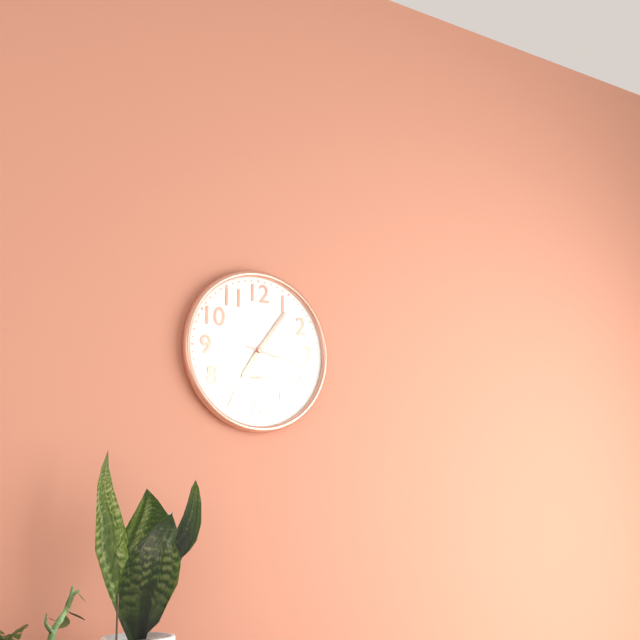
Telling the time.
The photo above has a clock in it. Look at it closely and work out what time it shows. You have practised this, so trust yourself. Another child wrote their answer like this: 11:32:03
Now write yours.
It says 7:06:17
